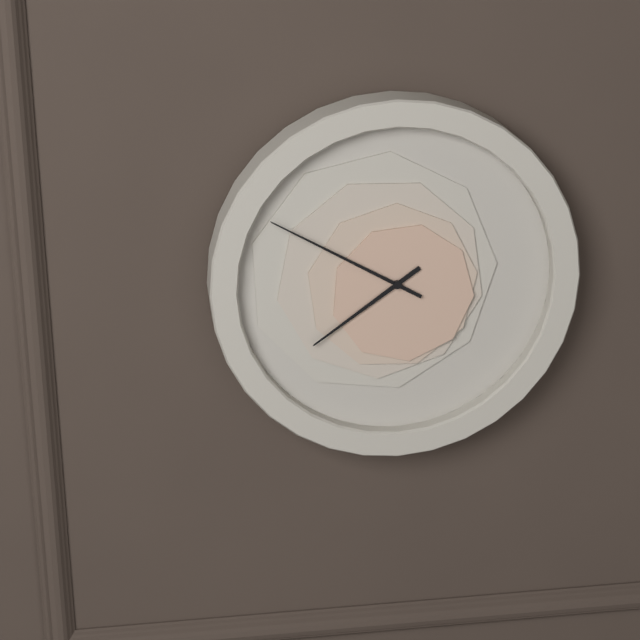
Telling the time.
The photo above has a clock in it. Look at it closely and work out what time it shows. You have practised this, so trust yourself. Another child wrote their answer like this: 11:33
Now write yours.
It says 7:50
